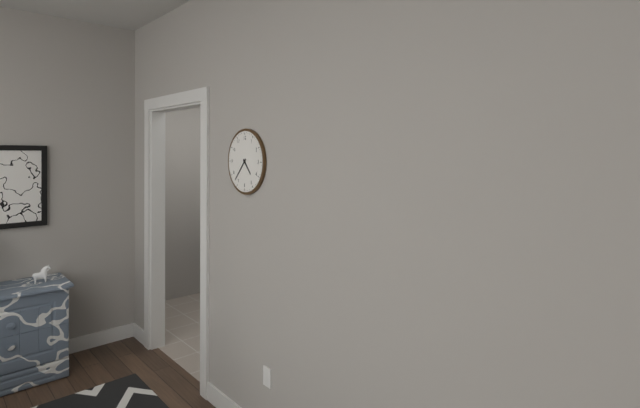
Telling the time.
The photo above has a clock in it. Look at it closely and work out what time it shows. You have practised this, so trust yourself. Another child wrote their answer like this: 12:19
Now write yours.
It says 4:37
